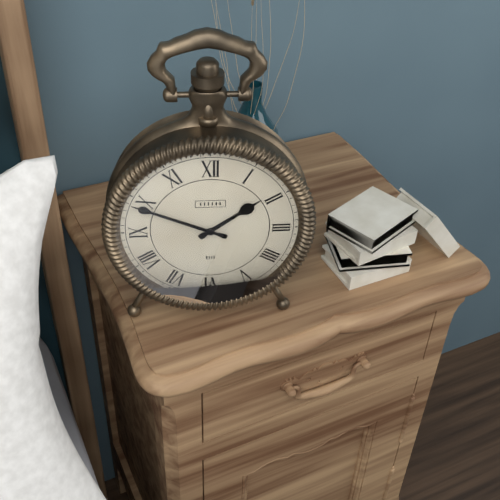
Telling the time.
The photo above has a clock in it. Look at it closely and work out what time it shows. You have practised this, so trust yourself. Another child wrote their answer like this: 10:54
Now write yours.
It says 1:49
